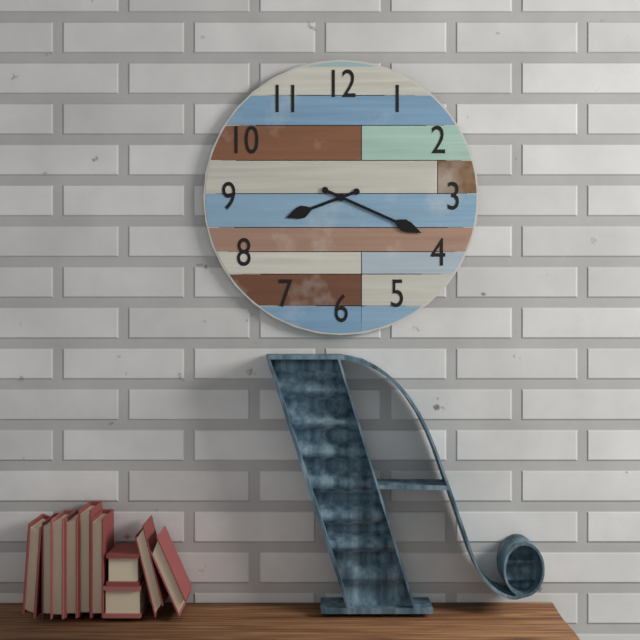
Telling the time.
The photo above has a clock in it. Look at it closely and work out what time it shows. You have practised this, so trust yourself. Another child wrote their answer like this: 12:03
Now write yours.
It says 8:19
